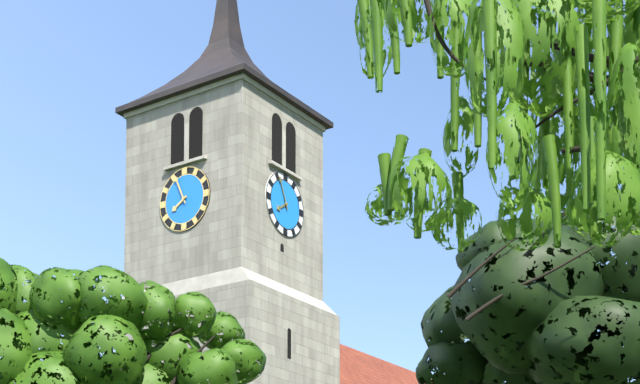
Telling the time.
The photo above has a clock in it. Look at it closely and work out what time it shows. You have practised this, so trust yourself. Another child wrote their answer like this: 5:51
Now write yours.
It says 7:56
